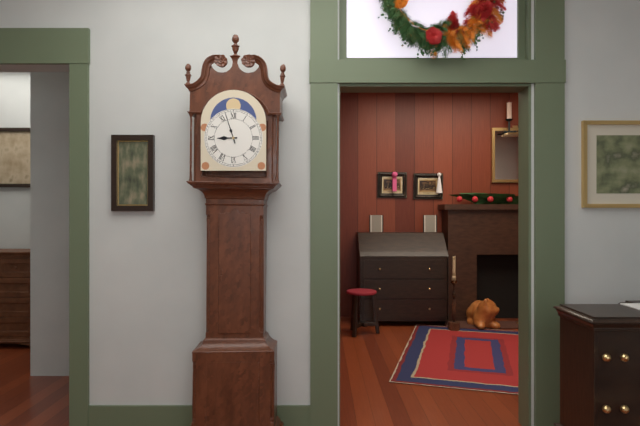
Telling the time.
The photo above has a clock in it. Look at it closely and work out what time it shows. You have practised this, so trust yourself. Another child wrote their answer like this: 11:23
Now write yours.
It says 8:57
